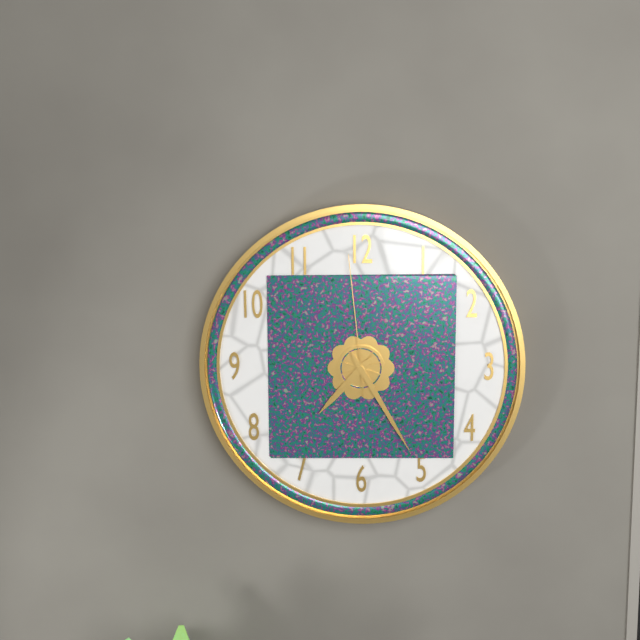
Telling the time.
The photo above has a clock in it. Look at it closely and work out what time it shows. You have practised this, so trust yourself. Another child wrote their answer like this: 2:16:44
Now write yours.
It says 7:25:59
